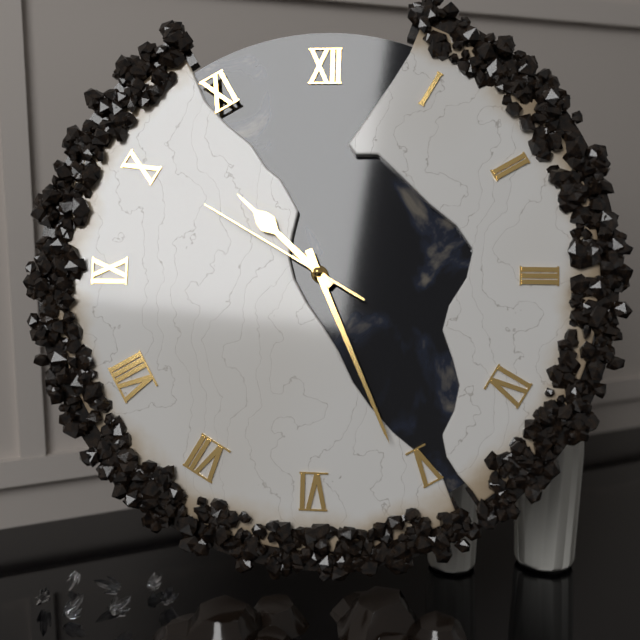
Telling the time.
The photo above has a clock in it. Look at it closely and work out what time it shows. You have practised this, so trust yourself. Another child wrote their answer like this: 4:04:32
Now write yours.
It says 10:26:50
